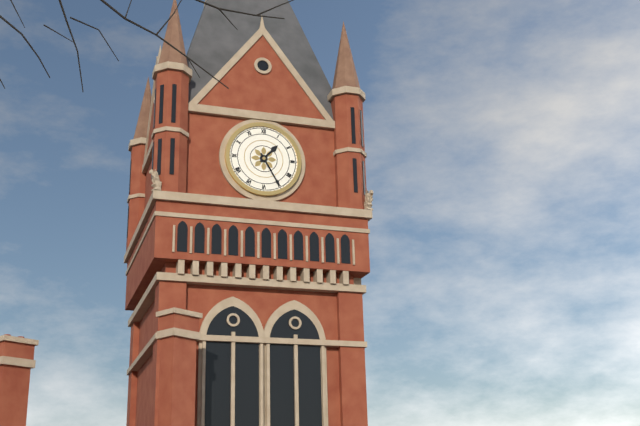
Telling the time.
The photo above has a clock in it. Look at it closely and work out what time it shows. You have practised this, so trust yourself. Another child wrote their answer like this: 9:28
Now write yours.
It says 1:25
